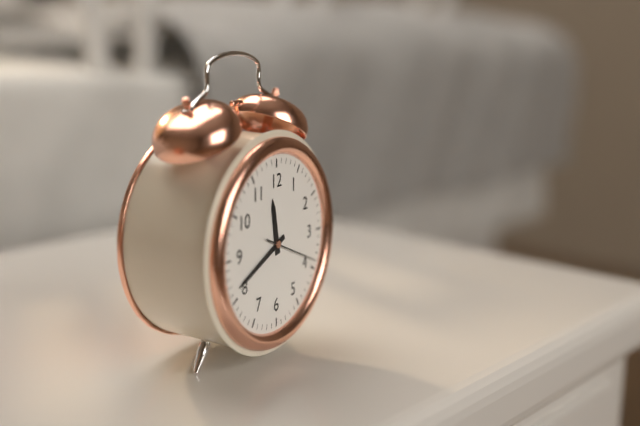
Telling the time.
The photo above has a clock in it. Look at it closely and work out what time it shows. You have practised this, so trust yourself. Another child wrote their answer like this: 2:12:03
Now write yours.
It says 11:41:19
